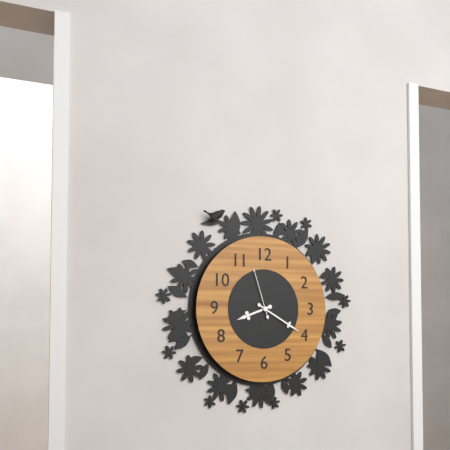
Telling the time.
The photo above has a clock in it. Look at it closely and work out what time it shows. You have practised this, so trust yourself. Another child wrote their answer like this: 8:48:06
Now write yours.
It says 8:20:57
